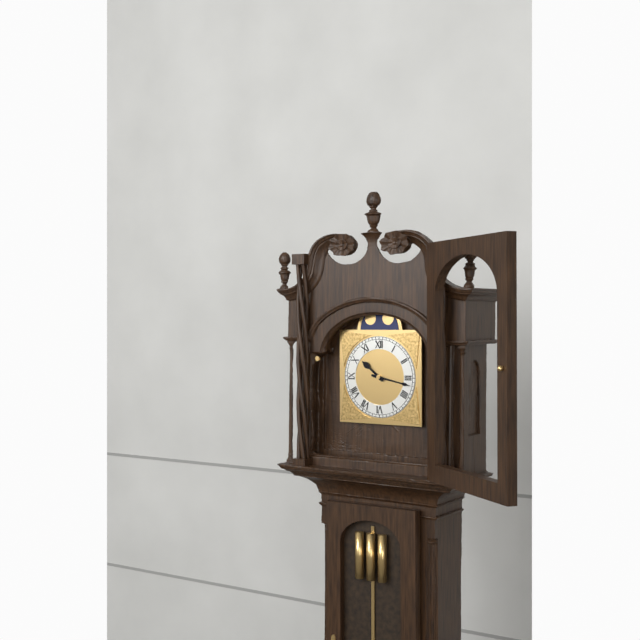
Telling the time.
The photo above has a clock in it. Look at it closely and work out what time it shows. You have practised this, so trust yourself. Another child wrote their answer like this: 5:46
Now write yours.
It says 10:17
